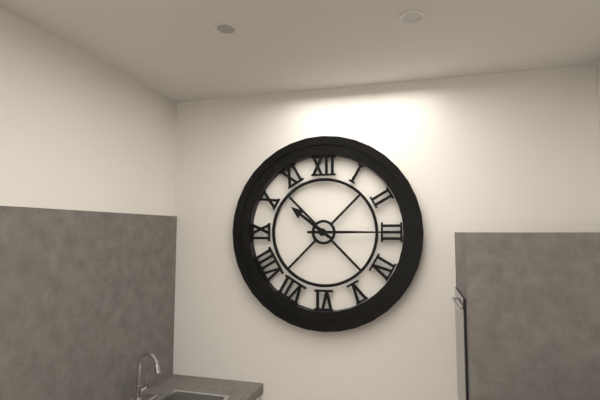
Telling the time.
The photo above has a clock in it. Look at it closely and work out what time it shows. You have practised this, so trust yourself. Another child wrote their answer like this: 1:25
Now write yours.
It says 10:15
